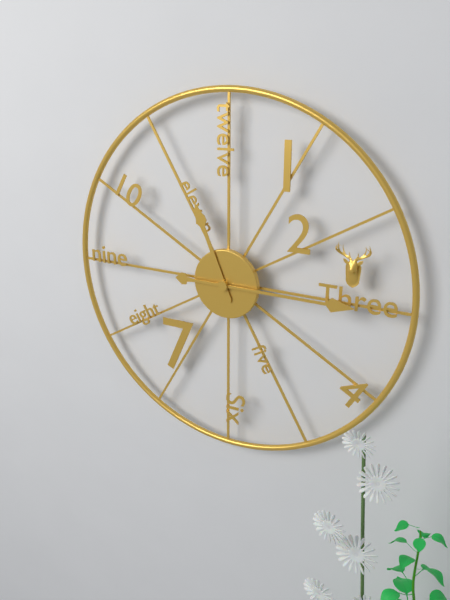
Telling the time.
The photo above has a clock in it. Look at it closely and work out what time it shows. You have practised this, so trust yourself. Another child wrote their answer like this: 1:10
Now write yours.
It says 11:15
